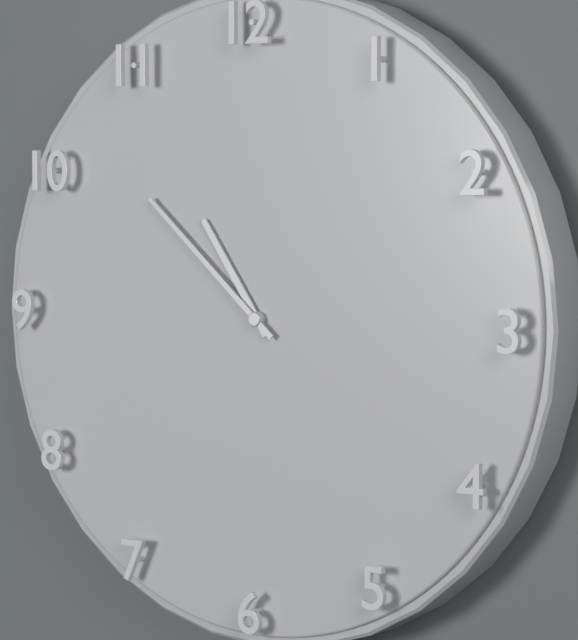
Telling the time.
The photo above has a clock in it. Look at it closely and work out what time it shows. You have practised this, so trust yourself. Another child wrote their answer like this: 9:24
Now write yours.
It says 10:52
